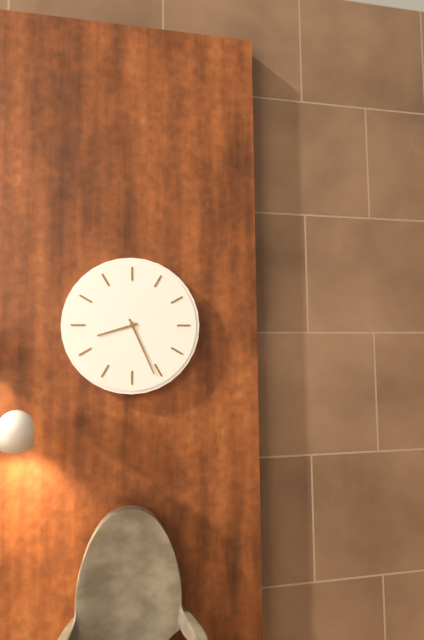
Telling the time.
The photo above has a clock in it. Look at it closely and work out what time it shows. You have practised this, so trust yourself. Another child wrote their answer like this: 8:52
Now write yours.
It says 8:26
